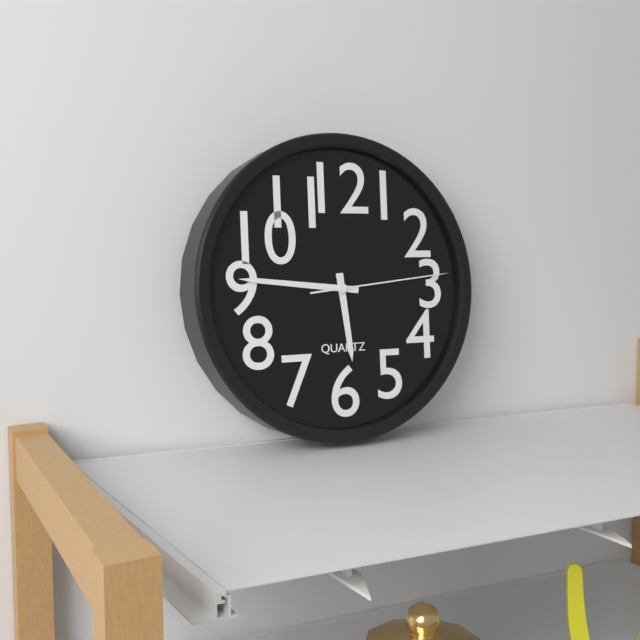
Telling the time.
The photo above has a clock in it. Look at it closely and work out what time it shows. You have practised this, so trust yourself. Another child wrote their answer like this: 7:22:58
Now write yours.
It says 5:46:14
